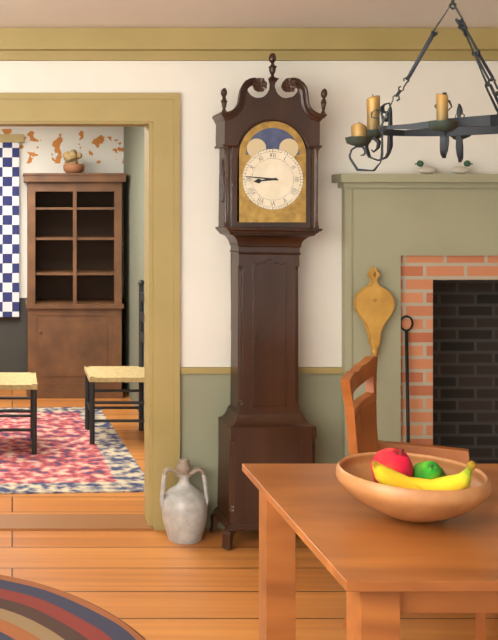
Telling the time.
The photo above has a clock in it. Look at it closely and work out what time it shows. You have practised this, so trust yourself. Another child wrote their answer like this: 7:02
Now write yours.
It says 8:46
